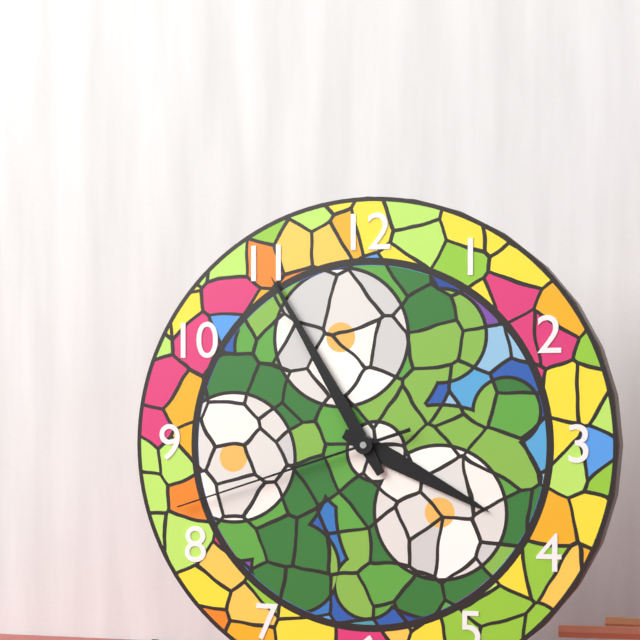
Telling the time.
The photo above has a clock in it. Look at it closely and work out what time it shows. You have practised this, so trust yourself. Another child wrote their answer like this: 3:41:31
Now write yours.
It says 3:55:42
